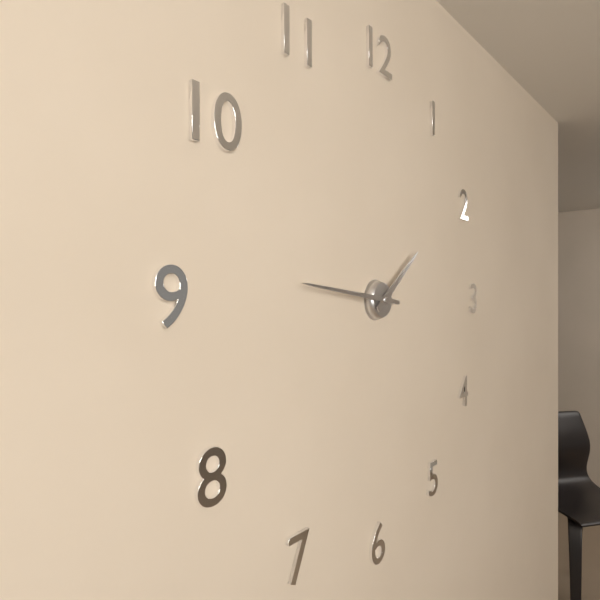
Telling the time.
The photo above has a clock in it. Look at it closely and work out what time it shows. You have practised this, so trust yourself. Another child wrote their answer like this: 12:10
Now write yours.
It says 1:46
